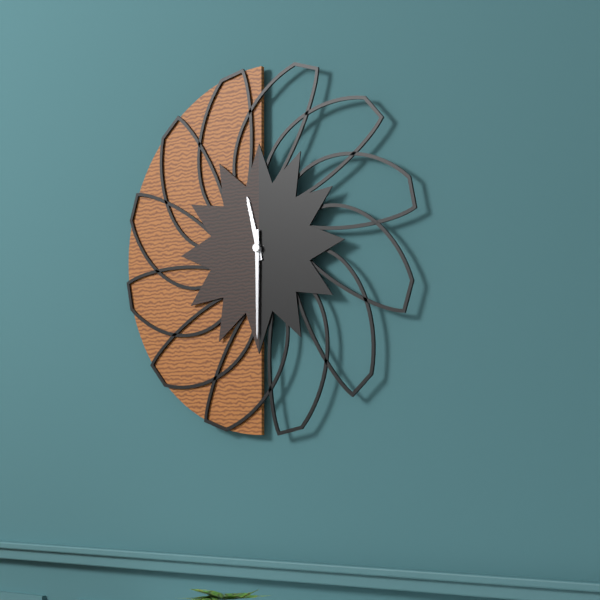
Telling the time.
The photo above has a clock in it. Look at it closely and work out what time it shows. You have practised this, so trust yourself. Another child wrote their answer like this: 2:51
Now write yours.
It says 11:30
